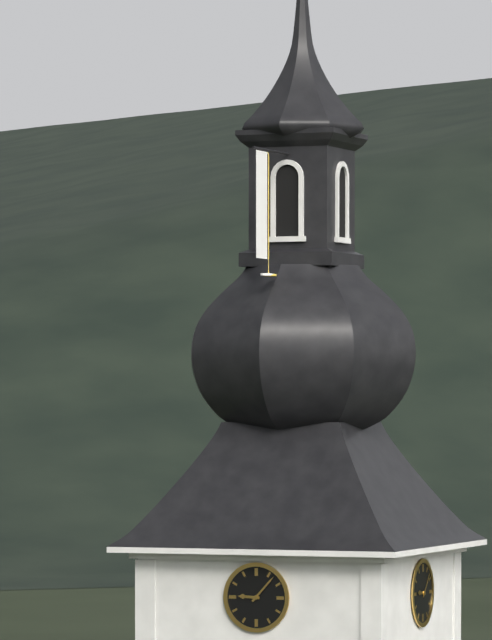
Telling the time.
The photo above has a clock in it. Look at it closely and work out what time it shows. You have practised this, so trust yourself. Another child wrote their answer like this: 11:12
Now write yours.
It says 9:07
